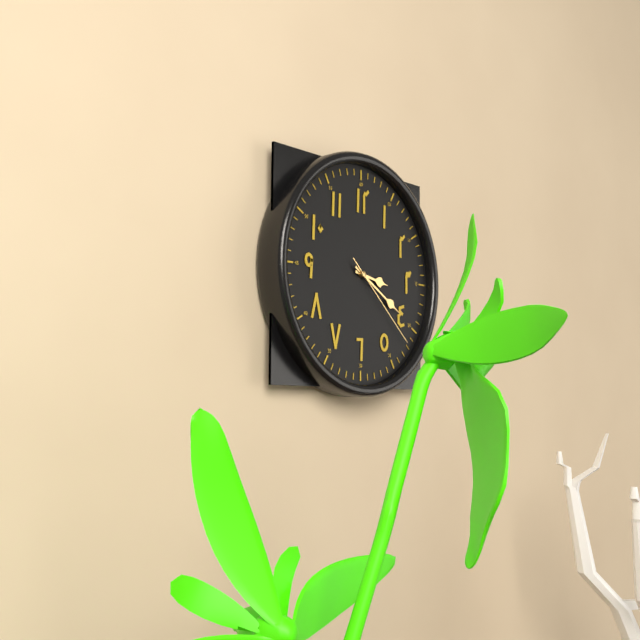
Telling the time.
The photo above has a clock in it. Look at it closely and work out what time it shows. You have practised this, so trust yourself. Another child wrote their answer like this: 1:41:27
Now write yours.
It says 3:20:22
